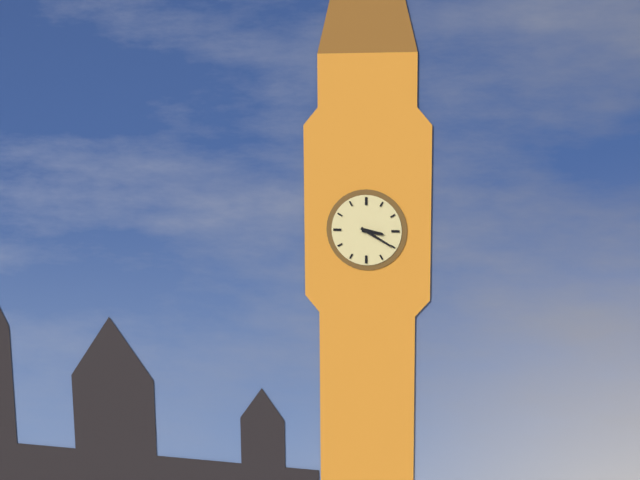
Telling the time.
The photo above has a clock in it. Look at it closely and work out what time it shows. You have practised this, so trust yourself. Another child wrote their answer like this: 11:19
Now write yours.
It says 3:20
